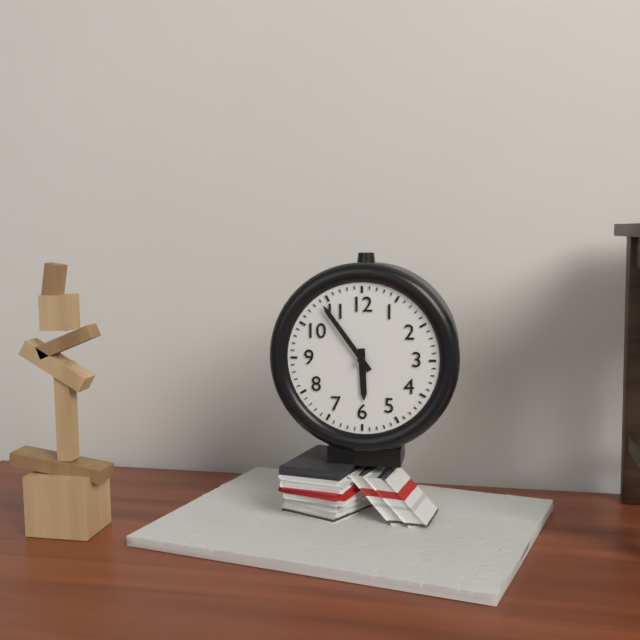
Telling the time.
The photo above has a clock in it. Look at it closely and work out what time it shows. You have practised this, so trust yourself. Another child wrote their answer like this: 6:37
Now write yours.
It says 5:54
